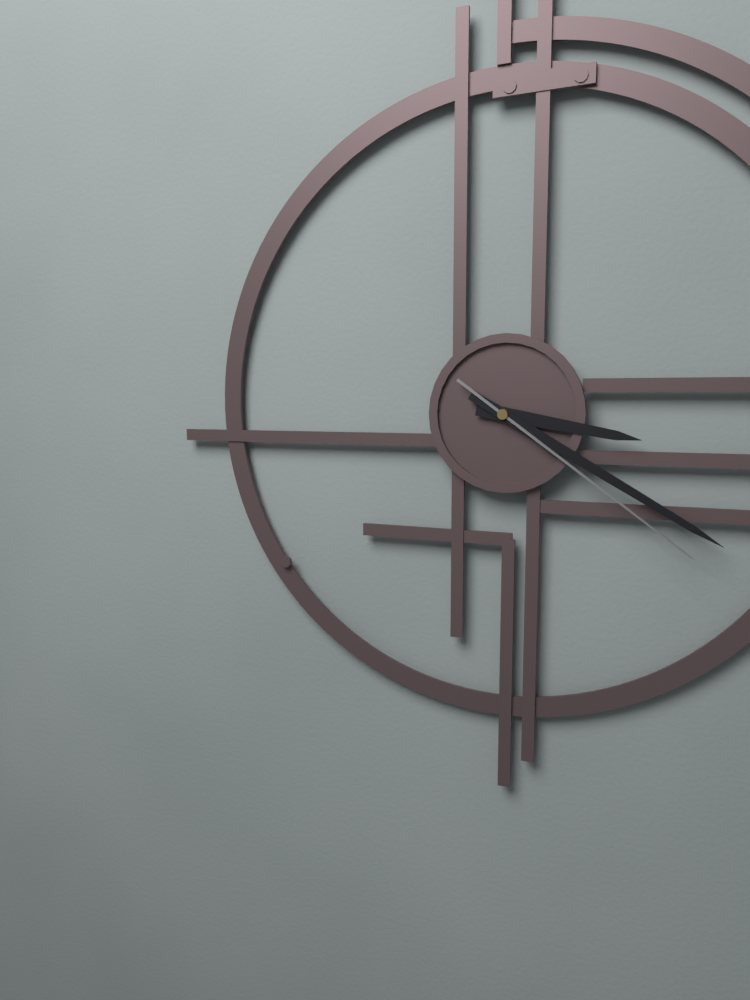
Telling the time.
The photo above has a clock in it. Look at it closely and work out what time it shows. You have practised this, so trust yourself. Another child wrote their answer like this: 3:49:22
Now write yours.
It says 3:20:21
